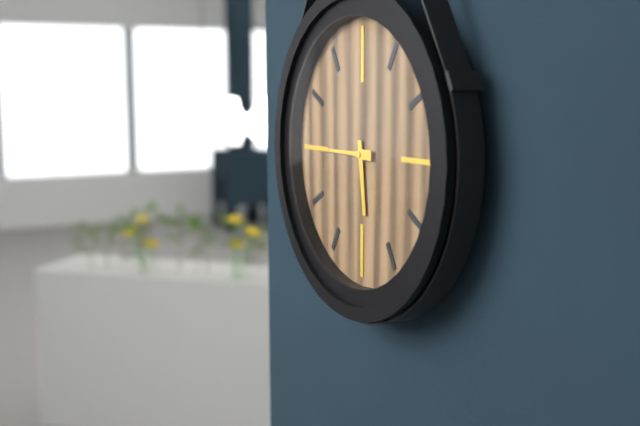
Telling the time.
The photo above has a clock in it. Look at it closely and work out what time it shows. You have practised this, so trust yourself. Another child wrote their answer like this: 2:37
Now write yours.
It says 5:45
